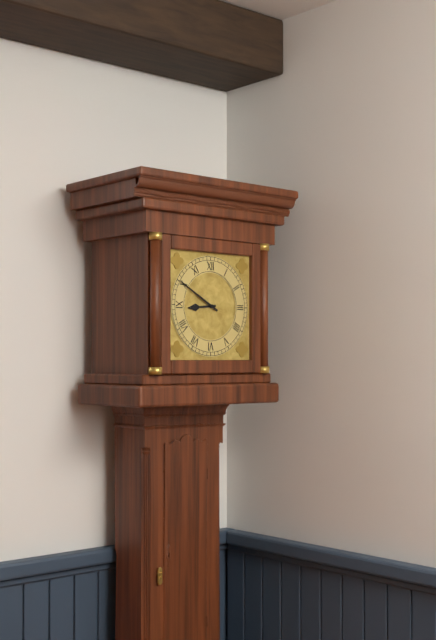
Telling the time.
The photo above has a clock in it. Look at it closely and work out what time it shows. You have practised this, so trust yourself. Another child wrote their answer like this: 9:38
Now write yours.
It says 8:50
